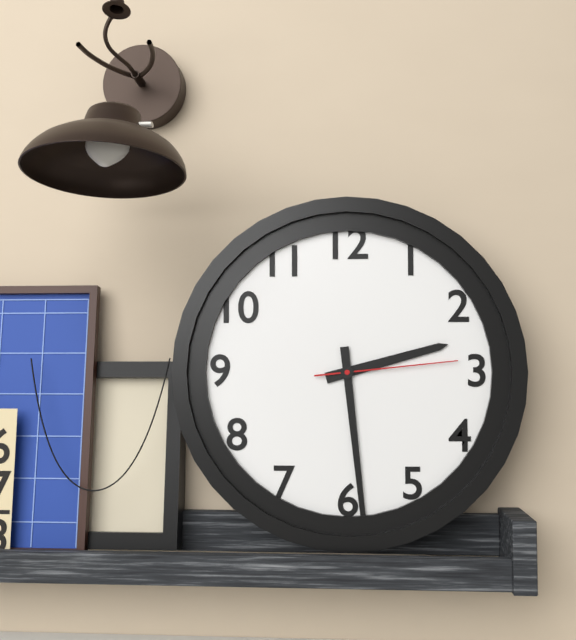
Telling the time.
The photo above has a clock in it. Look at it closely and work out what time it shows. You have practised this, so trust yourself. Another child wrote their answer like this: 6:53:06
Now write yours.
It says 2:29:14
